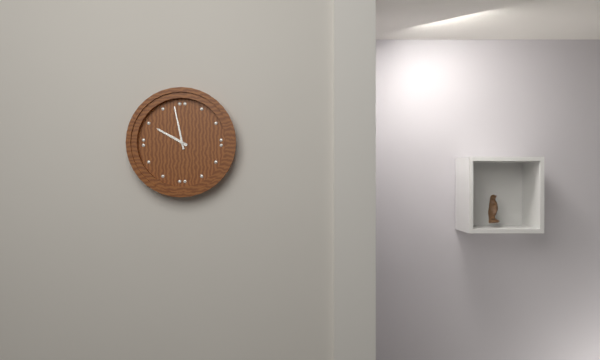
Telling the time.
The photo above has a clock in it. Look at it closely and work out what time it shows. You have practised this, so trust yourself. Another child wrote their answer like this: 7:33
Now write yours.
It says 9:58
